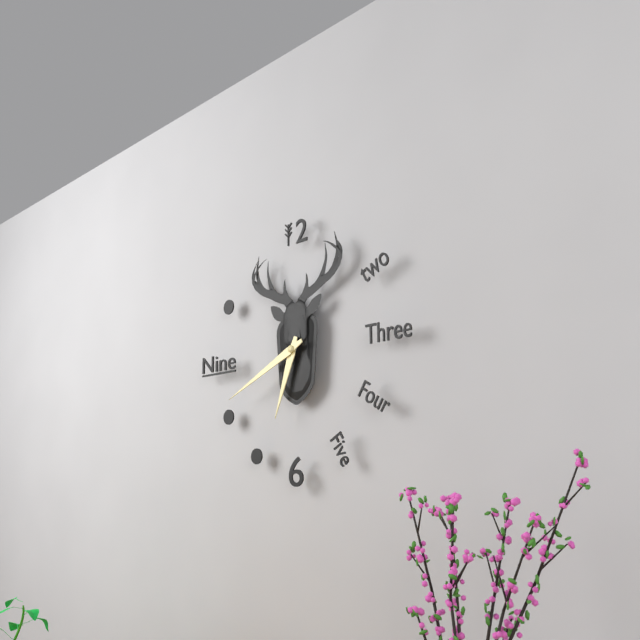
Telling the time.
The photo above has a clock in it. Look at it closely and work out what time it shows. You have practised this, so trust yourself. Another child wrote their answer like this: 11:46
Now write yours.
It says 6:41
